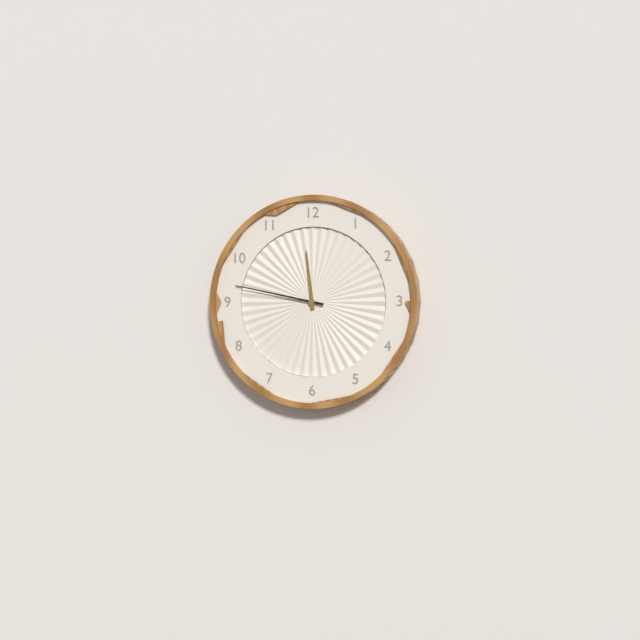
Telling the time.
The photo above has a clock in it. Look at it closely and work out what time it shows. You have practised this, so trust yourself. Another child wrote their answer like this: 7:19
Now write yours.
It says 11:47
